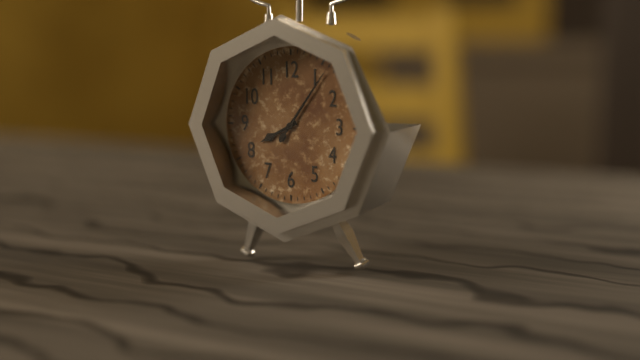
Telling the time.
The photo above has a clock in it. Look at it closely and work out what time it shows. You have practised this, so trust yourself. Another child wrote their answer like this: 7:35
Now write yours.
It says 8:06
